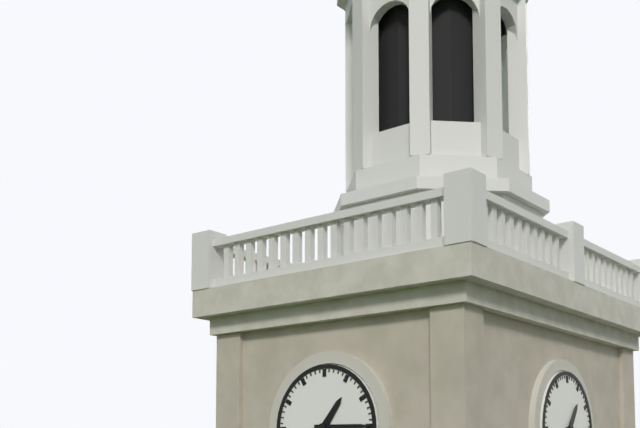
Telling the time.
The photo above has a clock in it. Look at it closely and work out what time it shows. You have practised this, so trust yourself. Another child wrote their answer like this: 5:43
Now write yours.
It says 1:15
